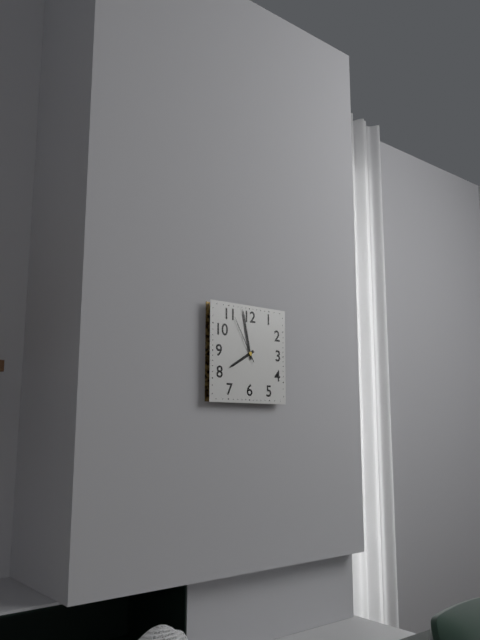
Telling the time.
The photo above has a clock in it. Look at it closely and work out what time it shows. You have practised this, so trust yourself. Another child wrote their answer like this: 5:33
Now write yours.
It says 7:58
